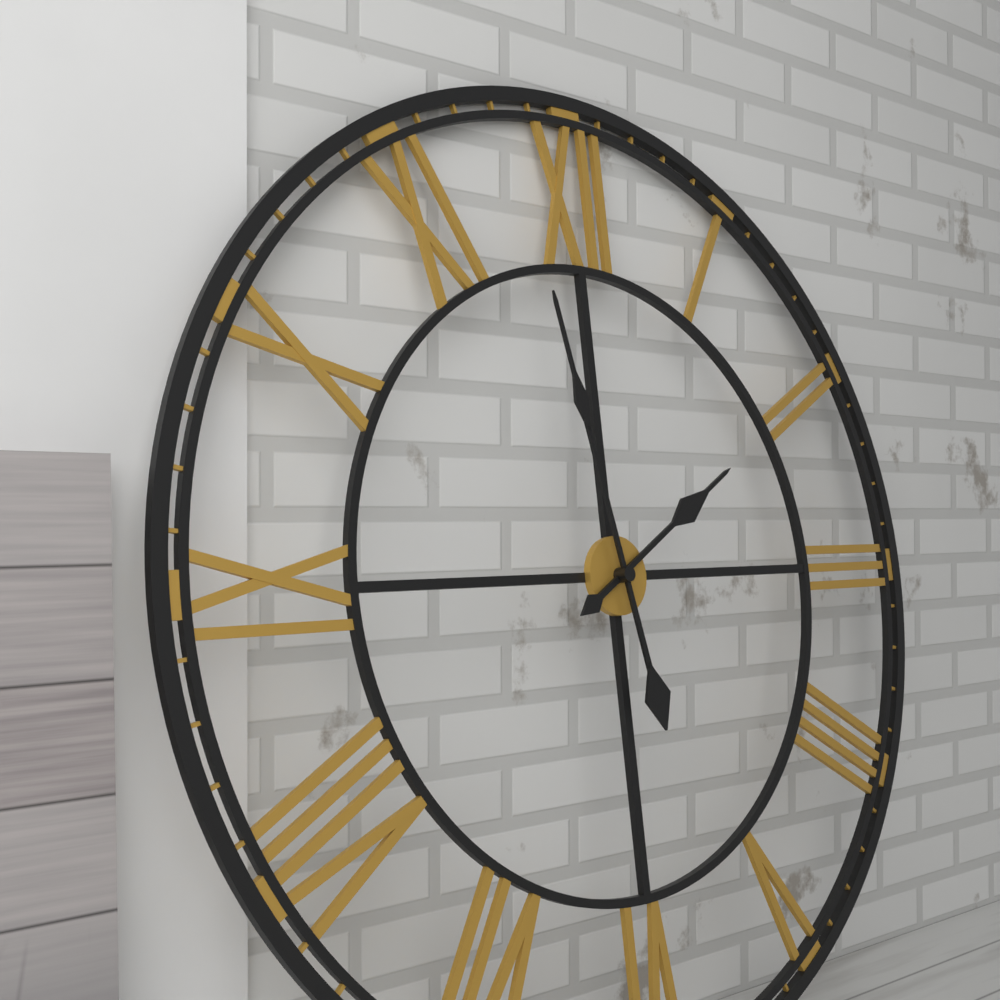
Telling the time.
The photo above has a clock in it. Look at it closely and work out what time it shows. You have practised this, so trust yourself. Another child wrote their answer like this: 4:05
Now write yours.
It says 1:58
